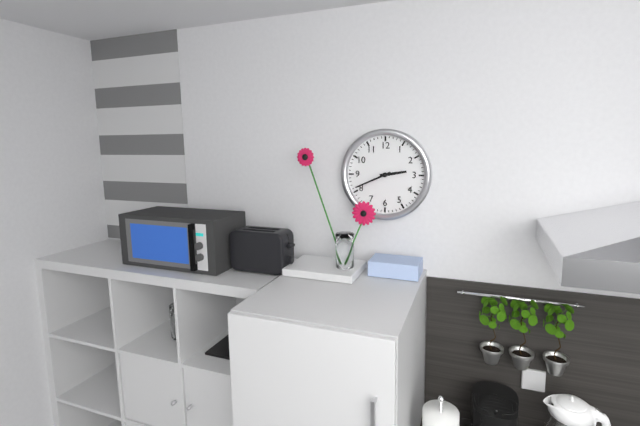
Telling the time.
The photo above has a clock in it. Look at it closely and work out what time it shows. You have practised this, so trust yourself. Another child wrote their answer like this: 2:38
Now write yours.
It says 2:41
